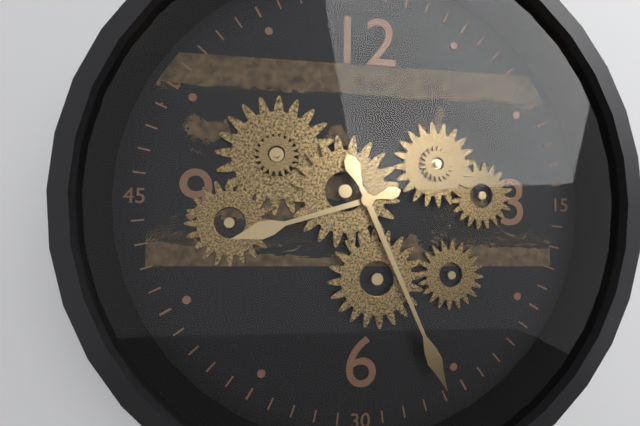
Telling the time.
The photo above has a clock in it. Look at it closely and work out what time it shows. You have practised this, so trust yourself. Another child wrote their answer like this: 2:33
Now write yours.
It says 8:26
